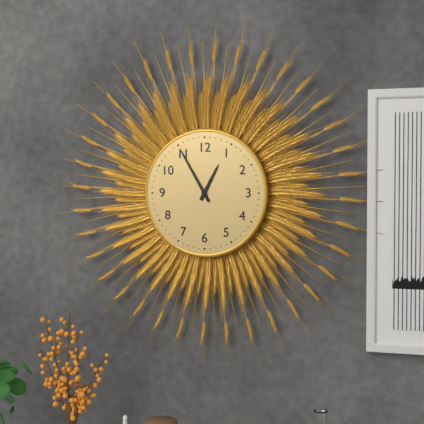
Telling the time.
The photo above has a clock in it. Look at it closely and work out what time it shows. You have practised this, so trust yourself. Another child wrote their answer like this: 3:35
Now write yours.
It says 12:55
